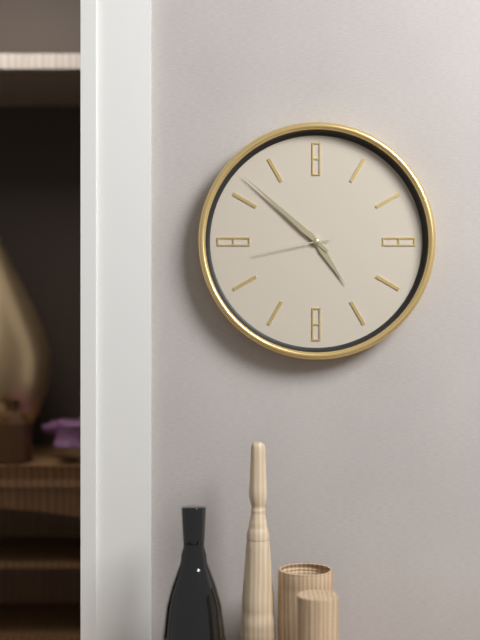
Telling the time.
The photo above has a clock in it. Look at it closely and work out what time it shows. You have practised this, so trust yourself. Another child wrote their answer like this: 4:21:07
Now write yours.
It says 4:52:43
